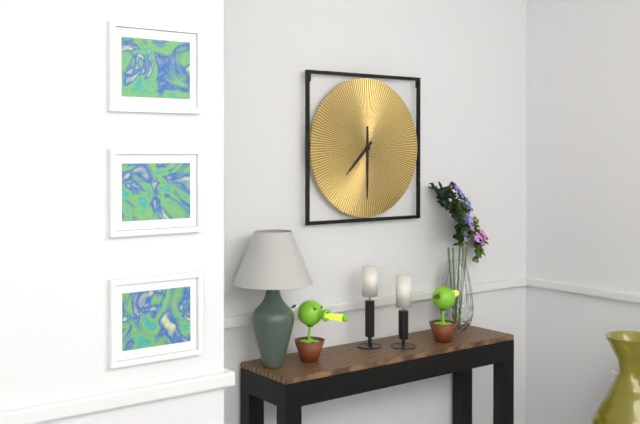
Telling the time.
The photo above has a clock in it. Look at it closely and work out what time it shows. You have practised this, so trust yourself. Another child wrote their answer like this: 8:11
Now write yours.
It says 7:30
